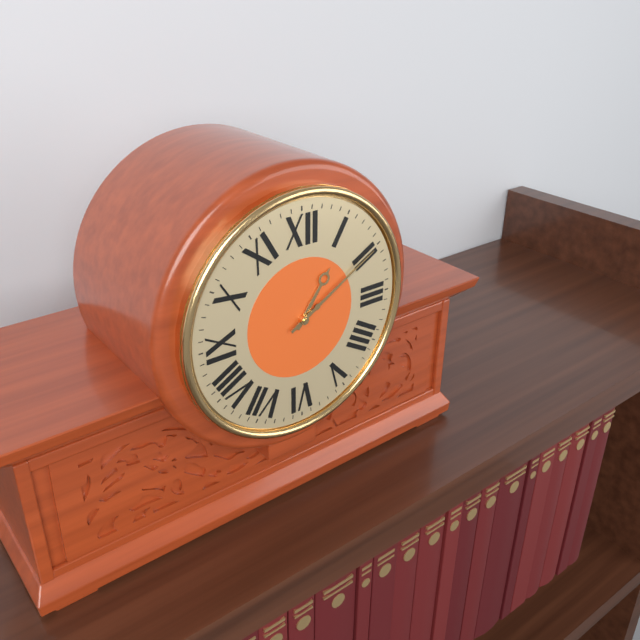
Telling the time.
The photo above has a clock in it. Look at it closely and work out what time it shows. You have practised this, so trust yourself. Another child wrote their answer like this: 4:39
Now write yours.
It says 1:10
